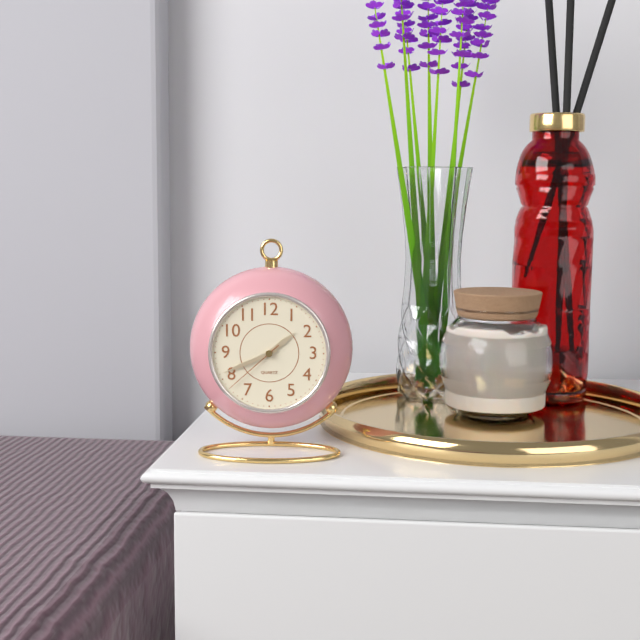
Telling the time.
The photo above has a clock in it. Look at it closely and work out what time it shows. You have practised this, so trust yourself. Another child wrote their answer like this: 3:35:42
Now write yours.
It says 1:41:38
